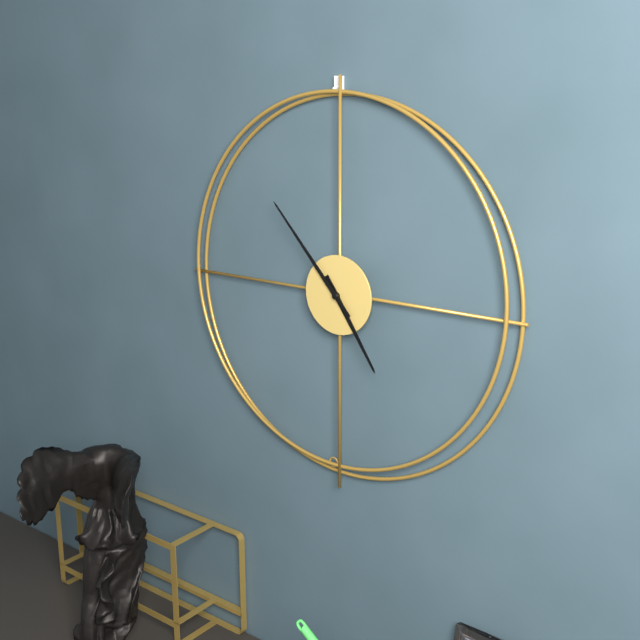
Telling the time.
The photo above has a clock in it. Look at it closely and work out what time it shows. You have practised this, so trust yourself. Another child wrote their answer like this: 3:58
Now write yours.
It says 4:53
